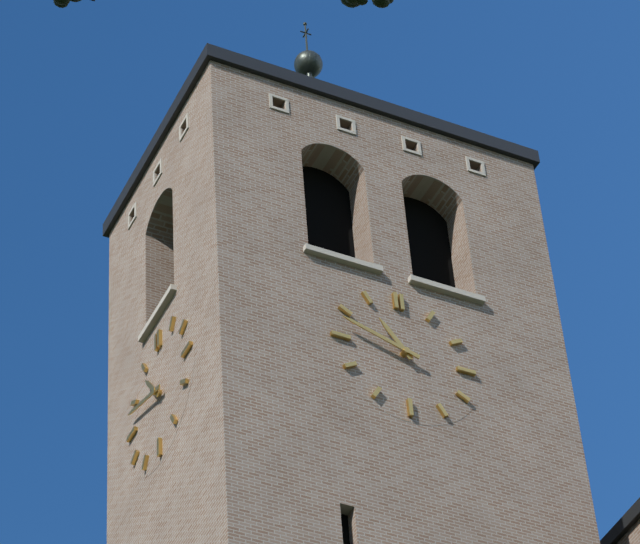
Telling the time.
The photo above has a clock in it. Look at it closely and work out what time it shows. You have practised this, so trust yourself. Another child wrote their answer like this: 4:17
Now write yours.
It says 10:48
